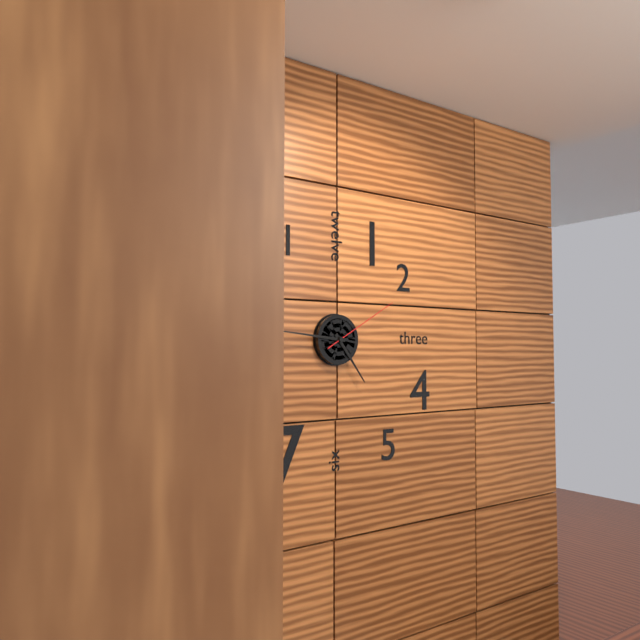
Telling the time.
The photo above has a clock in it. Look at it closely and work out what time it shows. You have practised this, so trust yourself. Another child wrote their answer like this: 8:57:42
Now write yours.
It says 4:46:10
